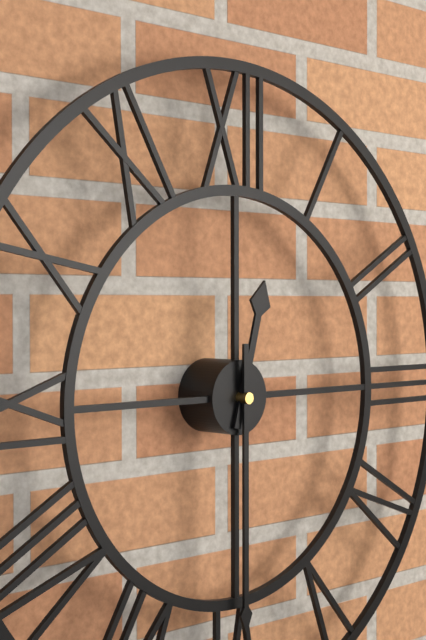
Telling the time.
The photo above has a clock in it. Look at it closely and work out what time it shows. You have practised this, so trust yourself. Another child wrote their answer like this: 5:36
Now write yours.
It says 12:30
